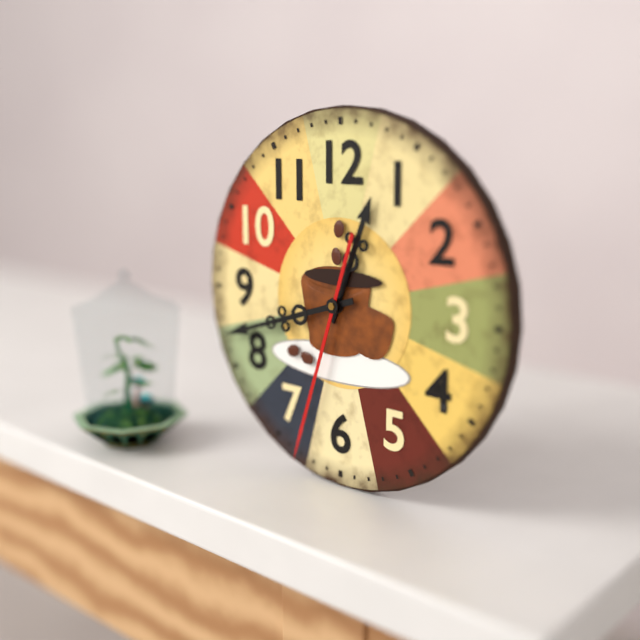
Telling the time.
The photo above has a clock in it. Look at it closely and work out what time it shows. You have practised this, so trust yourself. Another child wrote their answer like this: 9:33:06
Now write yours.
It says 12:42:33
